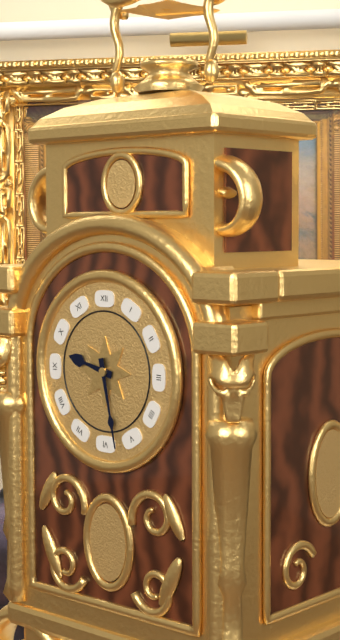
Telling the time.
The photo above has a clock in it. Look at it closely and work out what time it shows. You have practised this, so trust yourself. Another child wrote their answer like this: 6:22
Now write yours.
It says 9:28
